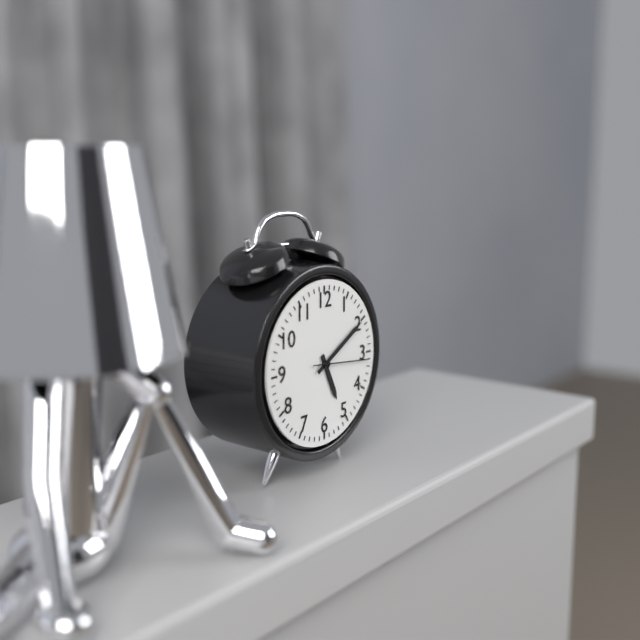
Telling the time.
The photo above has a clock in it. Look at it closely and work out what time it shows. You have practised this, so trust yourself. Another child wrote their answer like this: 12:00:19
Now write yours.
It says 5:10:16
